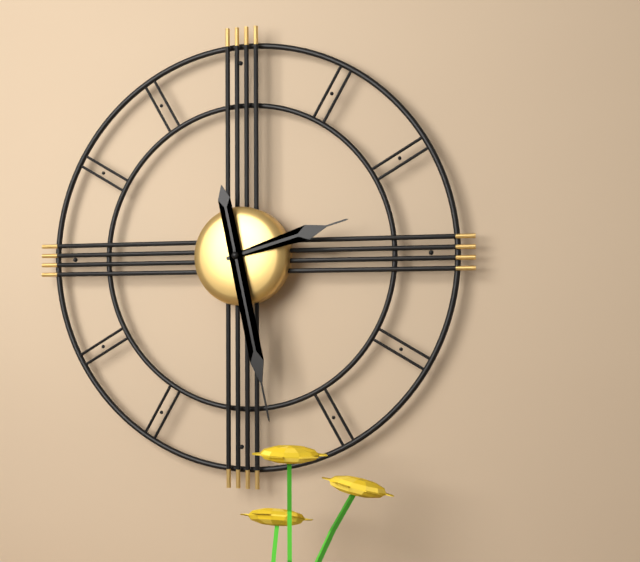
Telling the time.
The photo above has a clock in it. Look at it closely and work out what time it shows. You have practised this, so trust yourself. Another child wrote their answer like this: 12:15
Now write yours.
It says 2:28
